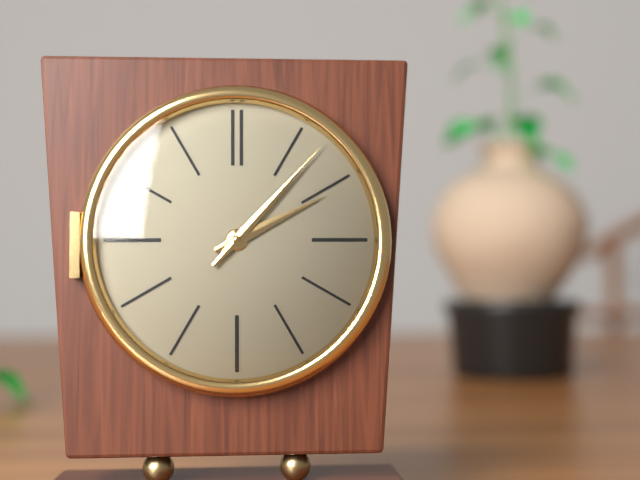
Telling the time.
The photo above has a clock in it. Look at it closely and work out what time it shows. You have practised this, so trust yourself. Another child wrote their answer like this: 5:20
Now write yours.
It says 2:07
